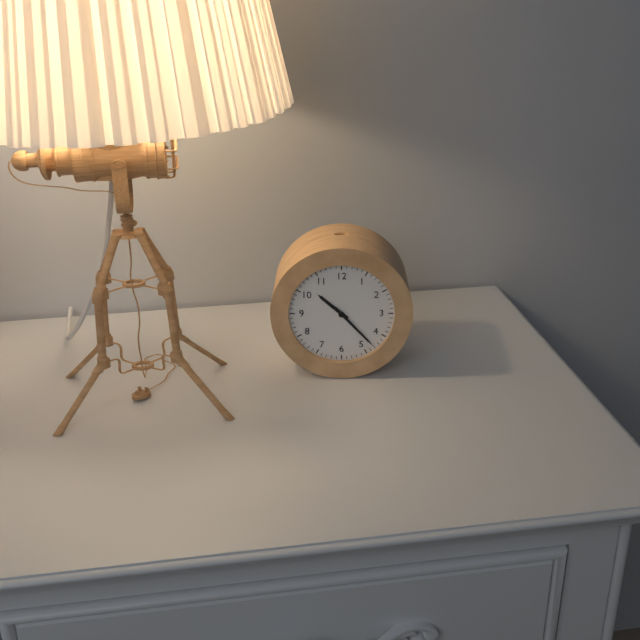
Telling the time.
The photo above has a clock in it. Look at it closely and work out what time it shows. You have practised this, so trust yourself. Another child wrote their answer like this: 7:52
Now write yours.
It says 10:23
